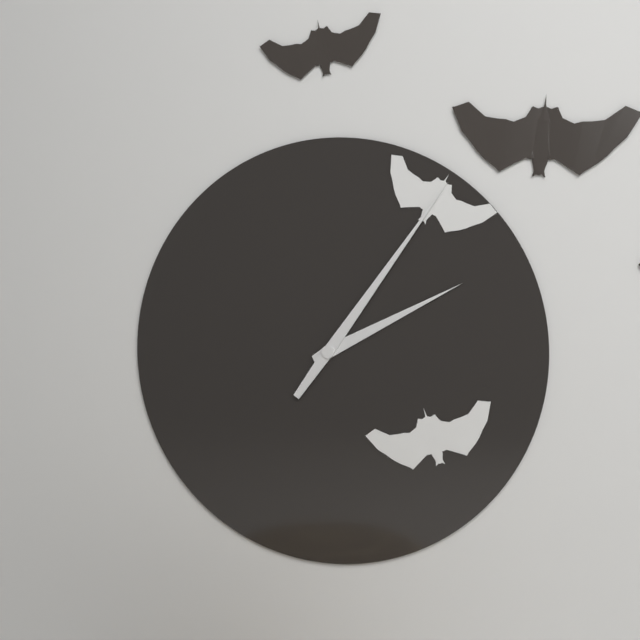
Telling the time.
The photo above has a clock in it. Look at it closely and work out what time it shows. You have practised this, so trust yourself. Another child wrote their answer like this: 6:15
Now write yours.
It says 2:06
